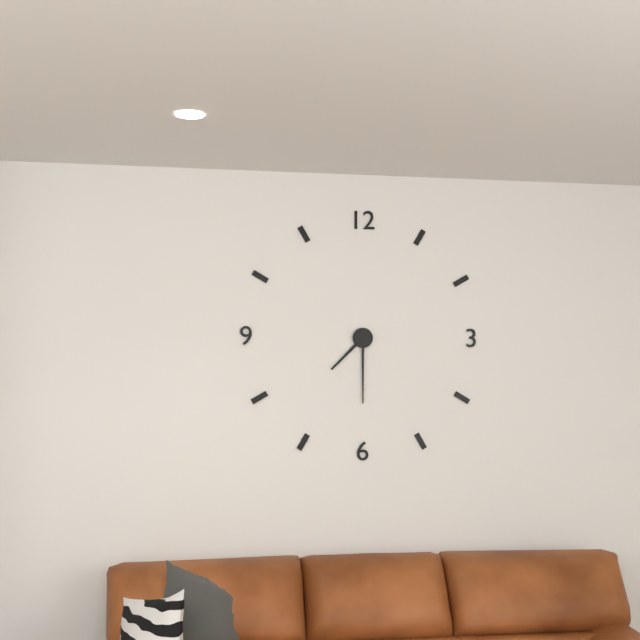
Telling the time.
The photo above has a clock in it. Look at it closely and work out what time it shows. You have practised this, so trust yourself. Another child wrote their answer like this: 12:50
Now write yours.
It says 7:30
